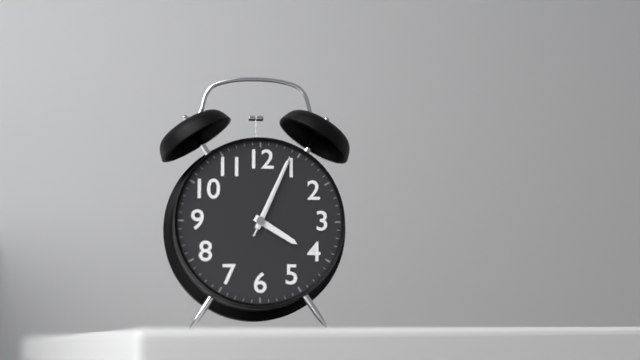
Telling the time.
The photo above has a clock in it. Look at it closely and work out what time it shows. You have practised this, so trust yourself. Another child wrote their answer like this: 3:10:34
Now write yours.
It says 4:04:04
